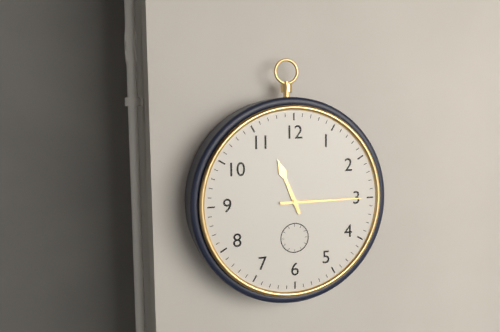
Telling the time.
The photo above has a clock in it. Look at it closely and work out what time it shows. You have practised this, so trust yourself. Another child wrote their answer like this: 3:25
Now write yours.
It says 11:15
